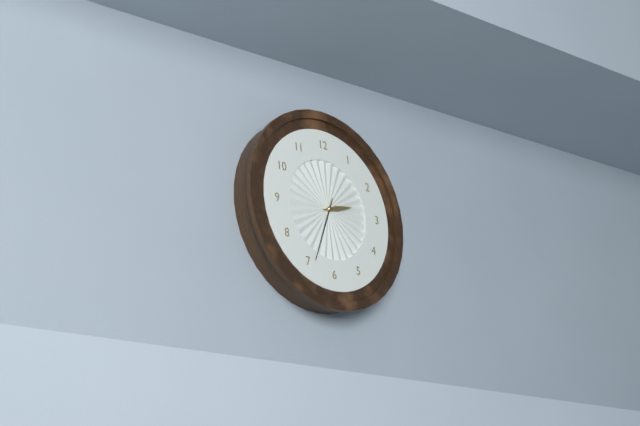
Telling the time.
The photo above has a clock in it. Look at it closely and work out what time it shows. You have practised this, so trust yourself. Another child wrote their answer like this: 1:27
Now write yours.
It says 2:34
